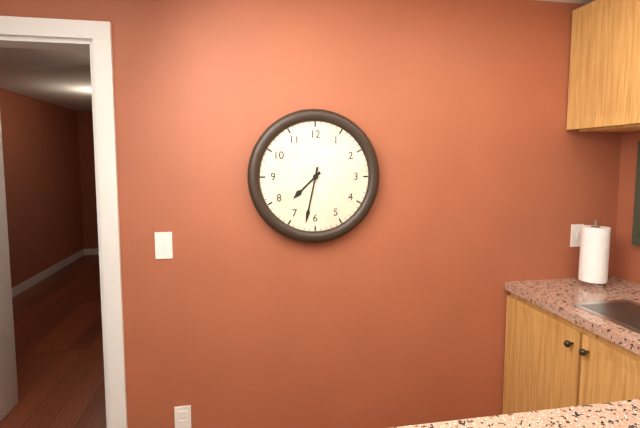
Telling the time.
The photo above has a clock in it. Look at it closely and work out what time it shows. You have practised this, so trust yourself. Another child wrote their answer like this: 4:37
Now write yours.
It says 7:32
